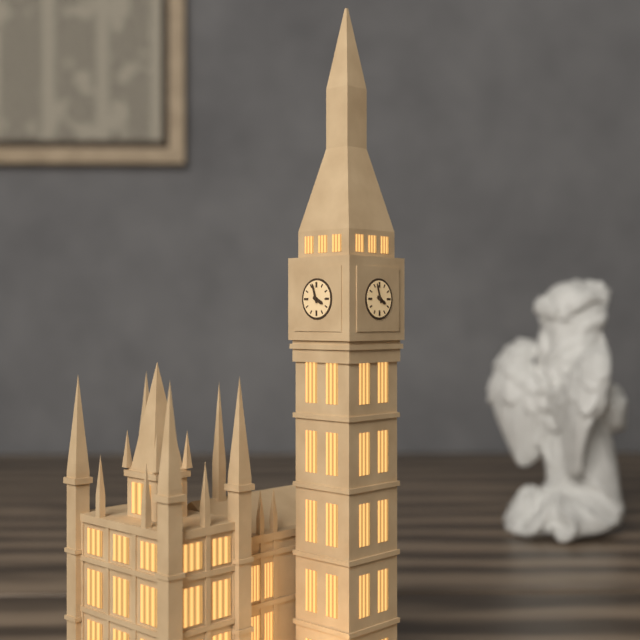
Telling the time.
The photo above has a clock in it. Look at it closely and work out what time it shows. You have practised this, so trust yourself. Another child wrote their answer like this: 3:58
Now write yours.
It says 3:57
